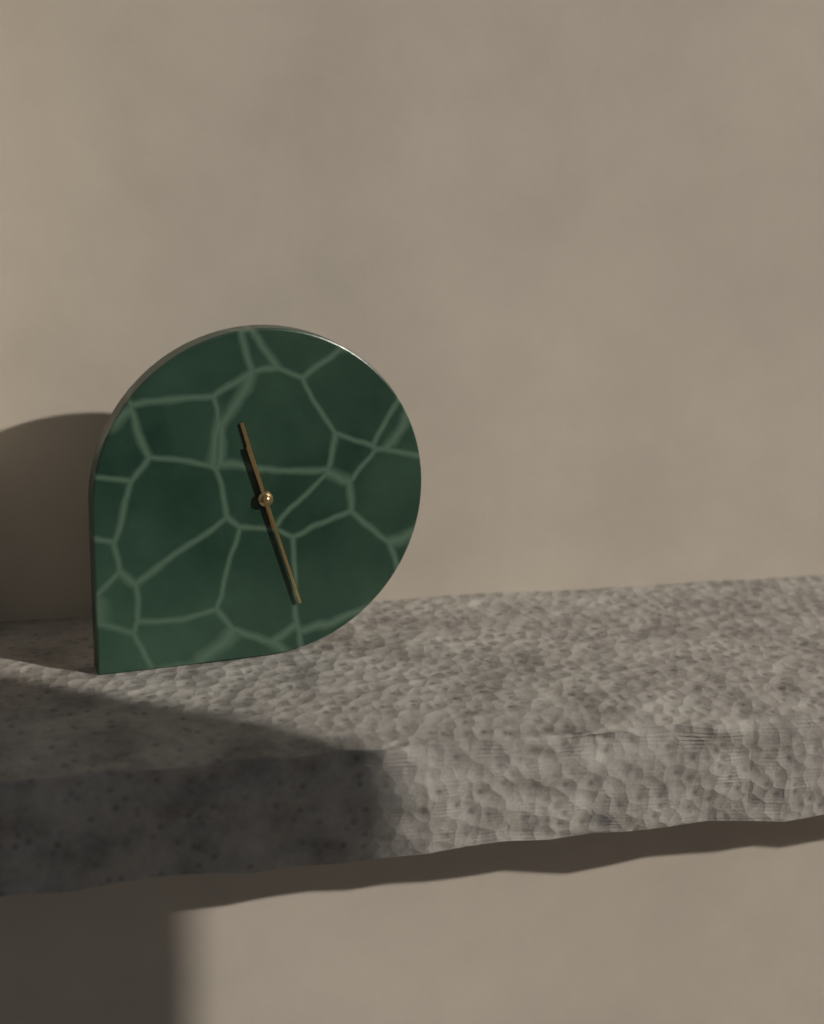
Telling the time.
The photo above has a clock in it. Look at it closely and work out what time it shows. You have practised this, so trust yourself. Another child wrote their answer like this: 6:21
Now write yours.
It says 11:27
